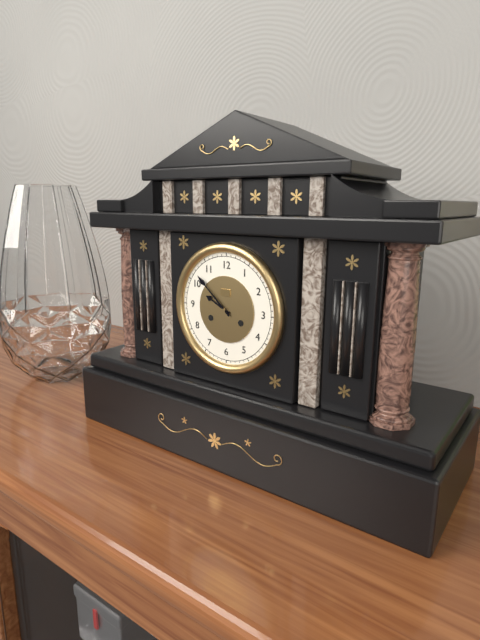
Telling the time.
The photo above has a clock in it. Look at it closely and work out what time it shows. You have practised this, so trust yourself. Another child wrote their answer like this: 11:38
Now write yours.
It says 9:52
